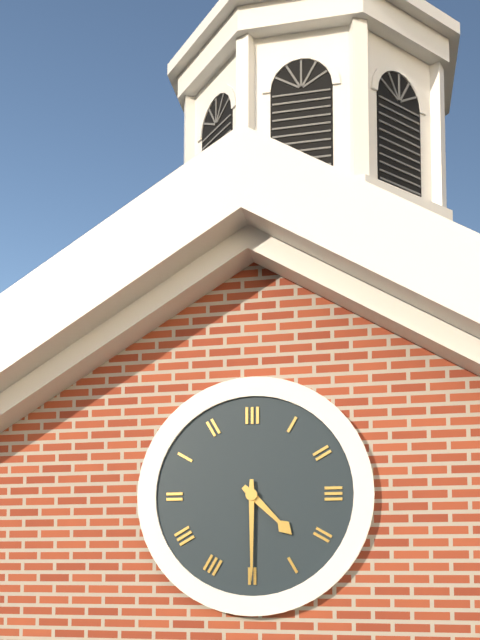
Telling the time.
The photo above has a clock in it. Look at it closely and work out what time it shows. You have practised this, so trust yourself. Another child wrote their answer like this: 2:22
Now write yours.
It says 4:30
